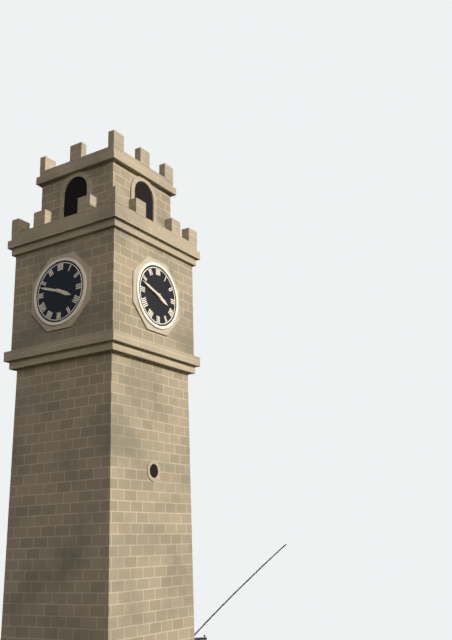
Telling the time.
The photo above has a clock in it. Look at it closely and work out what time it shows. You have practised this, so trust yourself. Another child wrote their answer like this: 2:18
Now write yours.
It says 3:48
